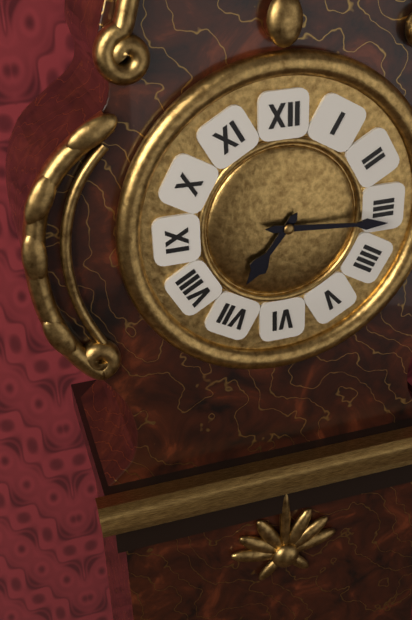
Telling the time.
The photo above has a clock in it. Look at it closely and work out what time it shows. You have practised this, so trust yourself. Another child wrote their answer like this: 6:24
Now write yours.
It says 7:16
